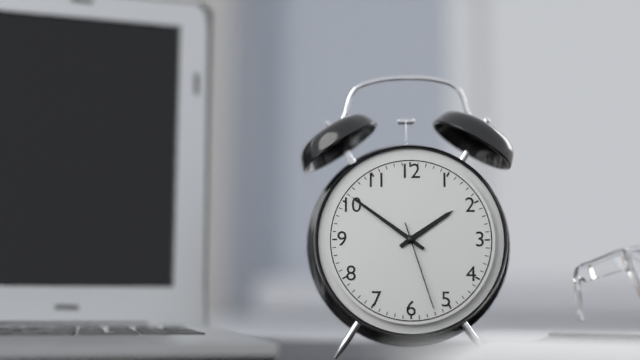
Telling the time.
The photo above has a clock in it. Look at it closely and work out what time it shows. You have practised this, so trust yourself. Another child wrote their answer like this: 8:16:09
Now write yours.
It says 1:51:27
